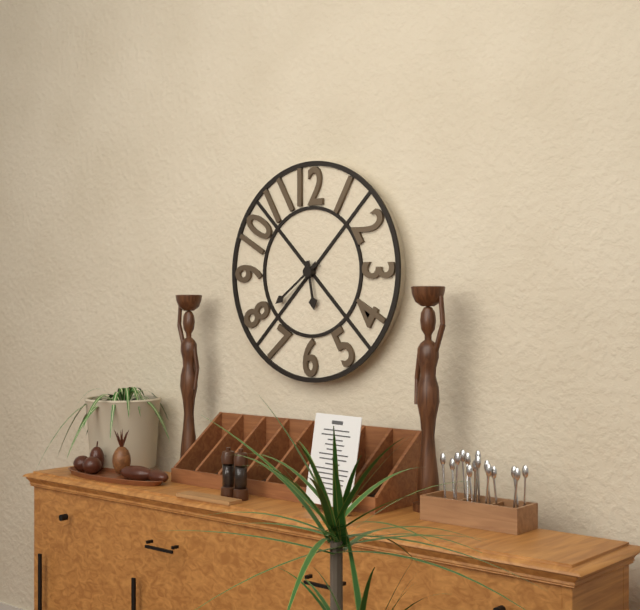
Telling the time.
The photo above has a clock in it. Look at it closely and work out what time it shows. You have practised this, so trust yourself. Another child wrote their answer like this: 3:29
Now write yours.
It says 5:39
